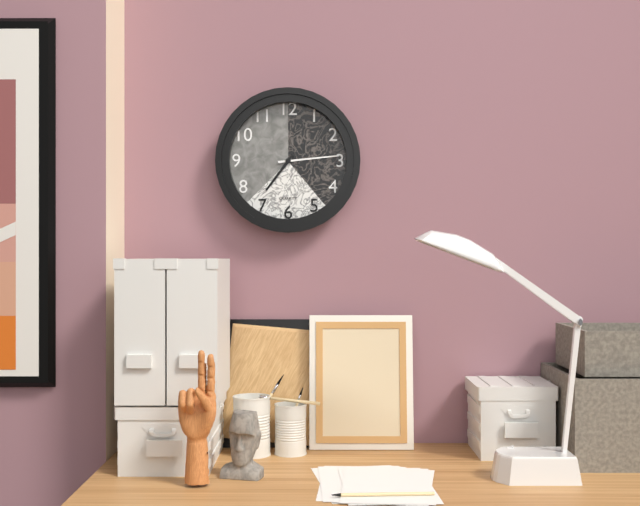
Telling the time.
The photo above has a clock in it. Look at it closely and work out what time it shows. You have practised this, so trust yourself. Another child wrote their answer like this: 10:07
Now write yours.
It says 7:14
